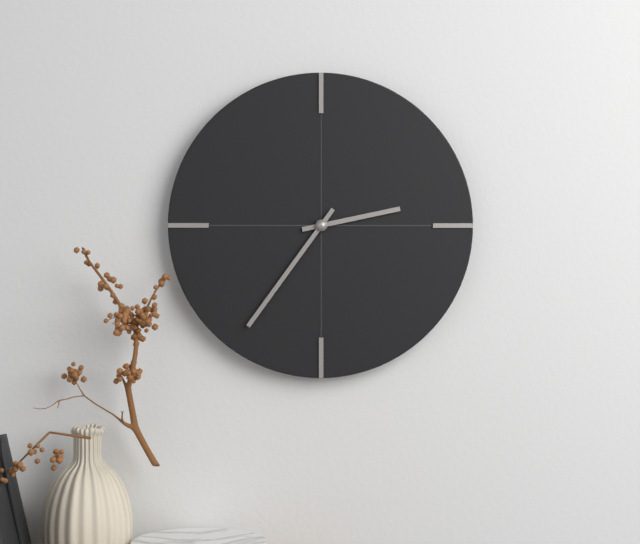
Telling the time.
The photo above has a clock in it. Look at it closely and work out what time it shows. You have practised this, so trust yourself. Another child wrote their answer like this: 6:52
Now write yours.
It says 2:36
